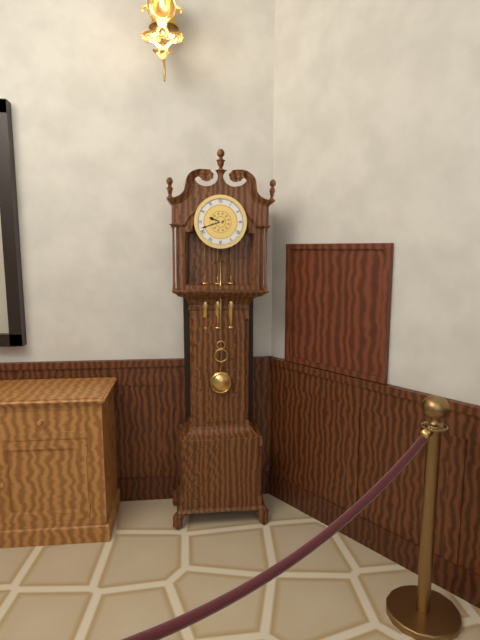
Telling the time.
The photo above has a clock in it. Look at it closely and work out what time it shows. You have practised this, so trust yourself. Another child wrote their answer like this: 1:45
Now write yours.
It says 9:42
